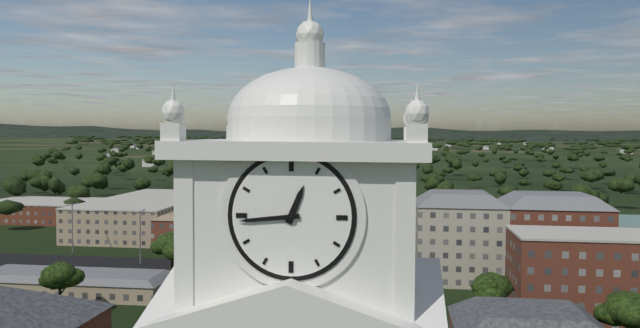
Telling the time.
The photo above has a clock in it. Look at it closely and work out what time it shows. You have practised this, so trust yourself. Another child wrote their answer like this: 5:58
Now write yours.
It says 12:44
